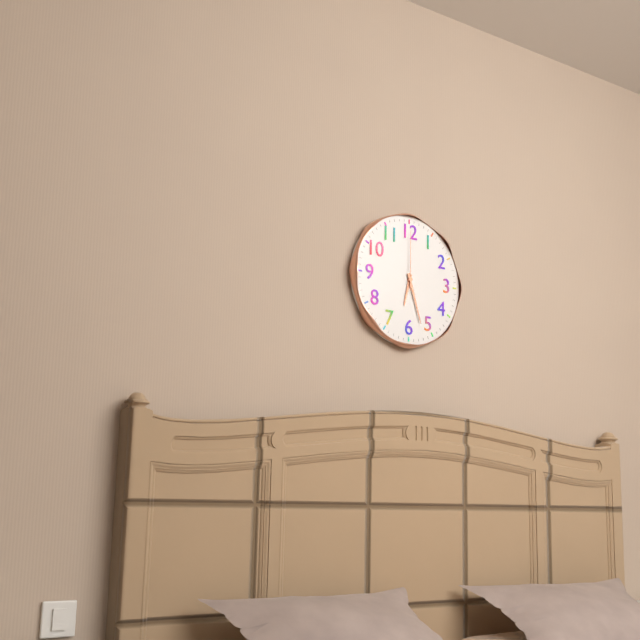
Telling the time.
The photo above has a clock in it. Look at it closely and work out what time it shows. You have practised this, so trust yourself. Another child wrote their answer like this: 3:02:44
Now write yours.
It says 6:27:00
